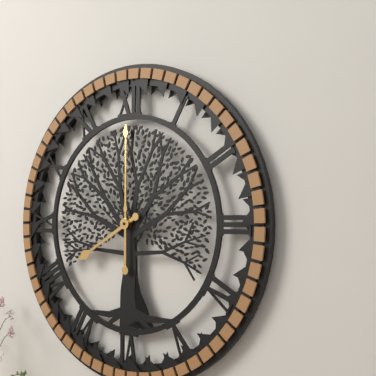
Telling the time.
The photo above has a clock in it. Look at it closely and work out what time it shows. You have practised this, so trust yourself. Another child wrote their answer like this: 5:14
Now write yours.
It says 8:00
